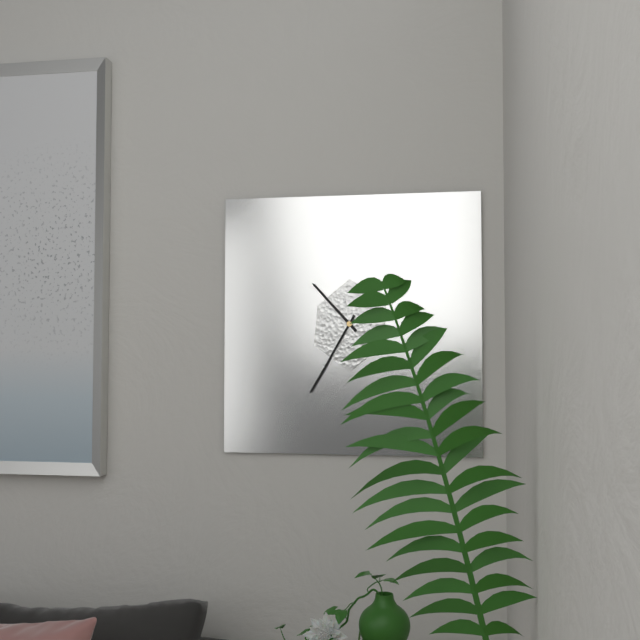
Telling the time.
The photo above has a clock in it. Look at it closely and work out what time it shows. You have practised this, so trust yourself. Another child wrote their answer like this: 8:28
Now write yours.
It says 10:35
